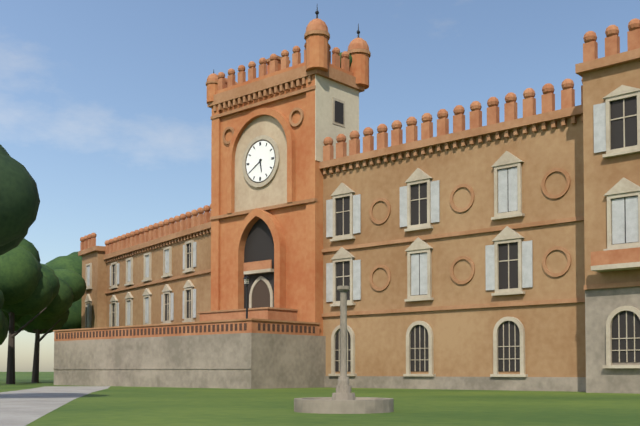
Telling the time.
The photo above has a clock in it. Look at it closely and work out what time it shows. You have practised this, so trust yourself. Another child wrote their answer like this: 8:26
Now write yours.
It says 5:40
